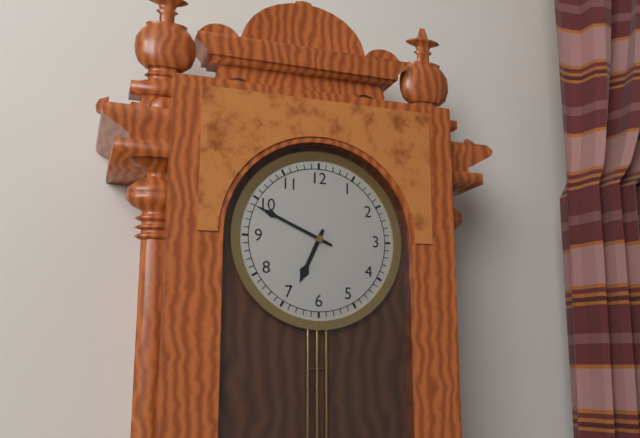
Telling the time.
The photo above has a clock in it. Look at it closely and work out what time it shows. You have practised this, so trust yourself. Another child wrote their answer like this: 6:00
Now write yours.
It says 6:49
